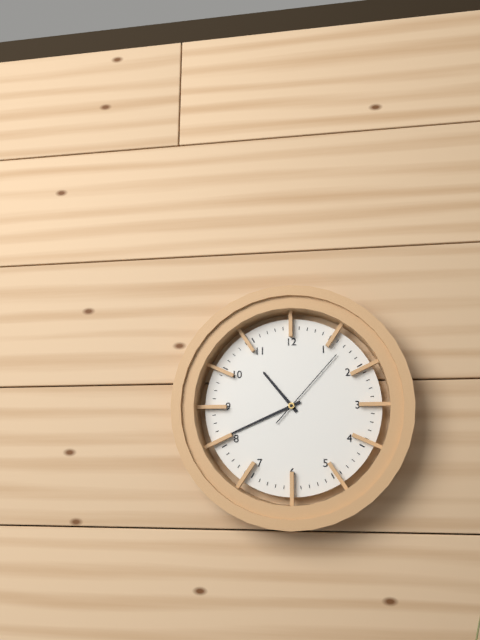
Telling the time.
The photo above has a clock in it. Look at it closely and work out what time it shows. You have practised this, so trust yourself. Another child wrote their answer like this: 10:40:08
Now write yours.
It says 10:41:07
